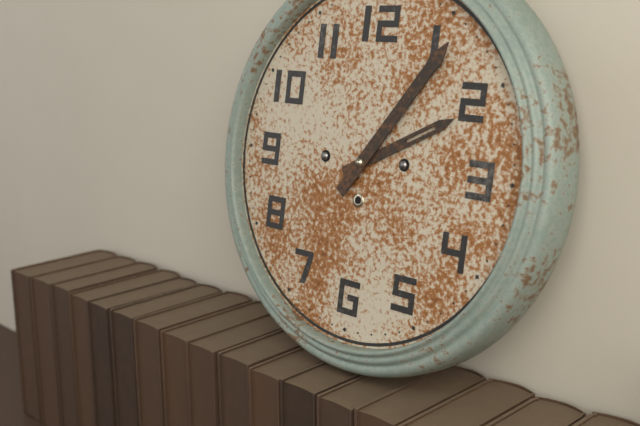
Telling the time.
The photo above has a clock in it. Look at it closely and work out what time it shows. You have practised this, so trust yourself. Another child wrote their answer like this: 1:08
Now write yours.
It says 2:06
